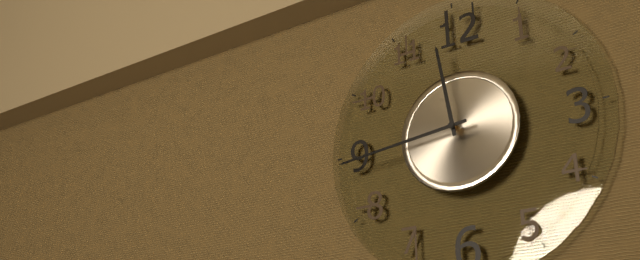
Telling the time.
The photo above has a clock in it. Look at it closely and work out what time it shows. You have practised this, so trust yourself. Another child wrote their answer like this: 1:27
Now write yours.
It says 11:44
